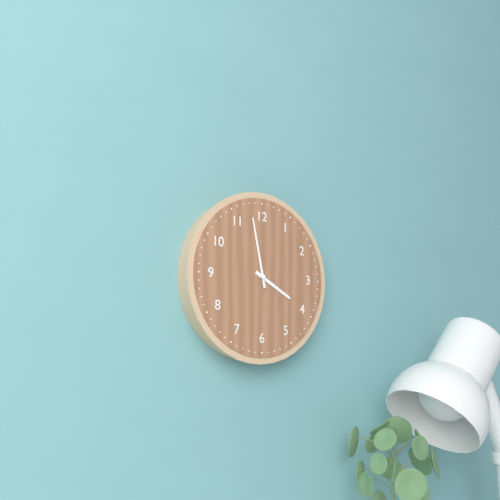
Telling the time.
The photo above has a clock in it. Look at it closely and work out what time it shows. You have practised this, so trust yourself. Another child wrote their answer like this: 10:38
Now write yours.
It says 3:58
